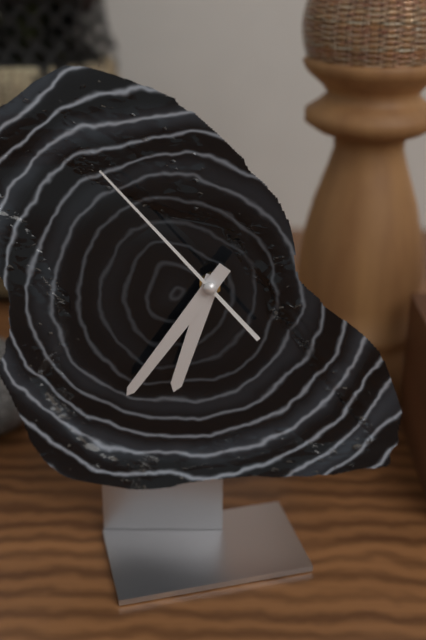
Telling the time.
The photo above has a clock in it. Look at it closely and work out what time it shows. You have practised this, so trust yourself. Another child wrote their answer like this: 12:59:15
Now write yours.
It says 6:36:53
